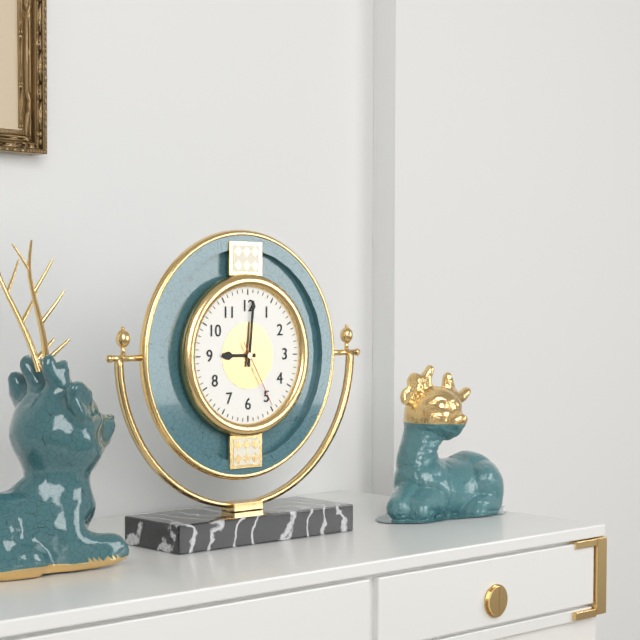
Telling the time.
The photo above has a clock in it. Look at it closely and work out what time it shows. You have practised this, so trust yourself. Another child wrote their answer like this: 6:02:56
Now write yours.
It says 9:01:25
